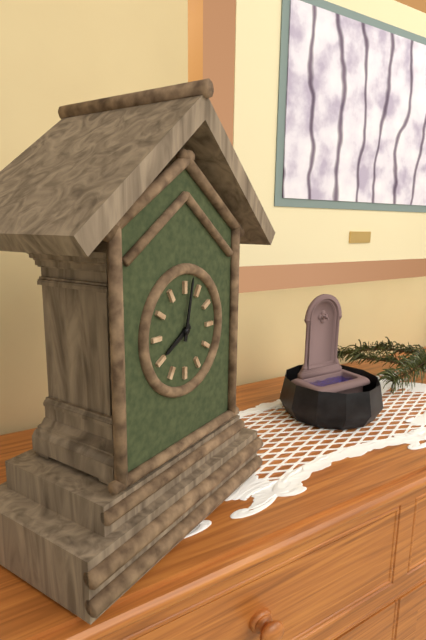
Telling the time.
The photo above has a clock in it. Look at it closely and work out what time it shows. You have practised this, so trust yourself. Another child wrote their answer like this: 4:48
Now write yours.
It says 8:02
